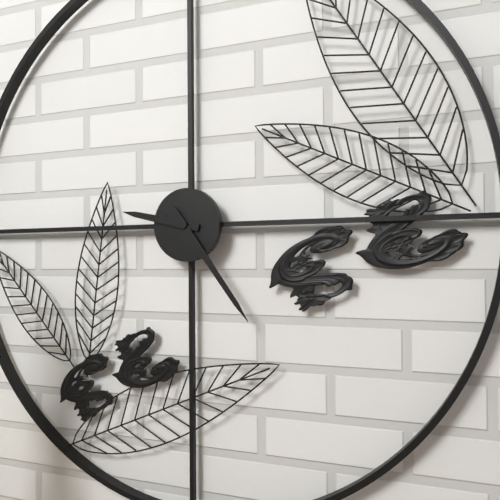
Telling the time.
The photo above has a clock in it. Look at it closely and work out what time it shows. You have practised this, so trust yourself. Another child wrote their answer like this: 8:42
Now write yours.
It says 9:24
